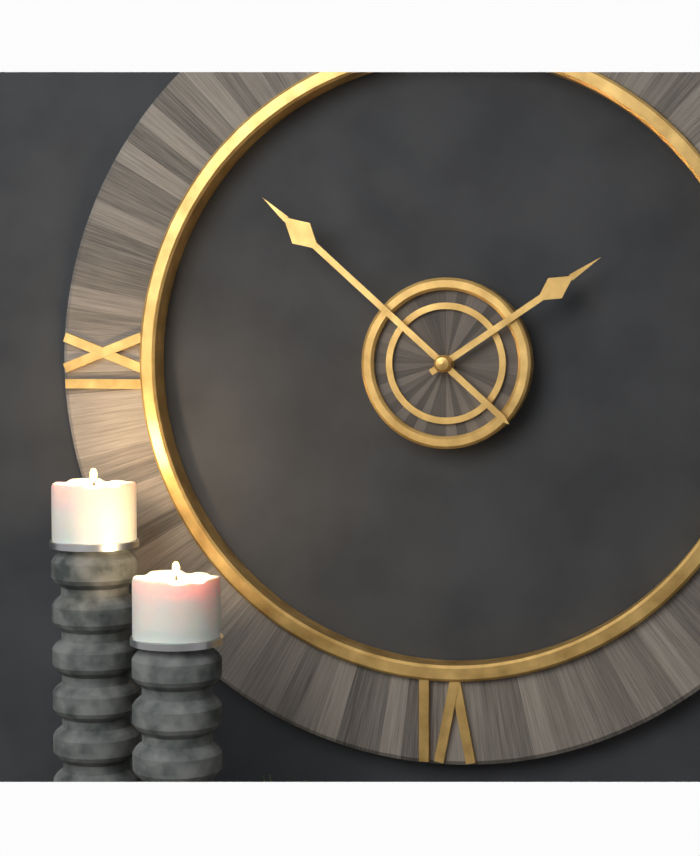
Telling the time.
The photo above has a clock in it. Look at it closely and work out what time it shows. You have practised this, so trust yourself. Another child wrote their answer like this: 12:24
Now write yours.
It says 1:52
